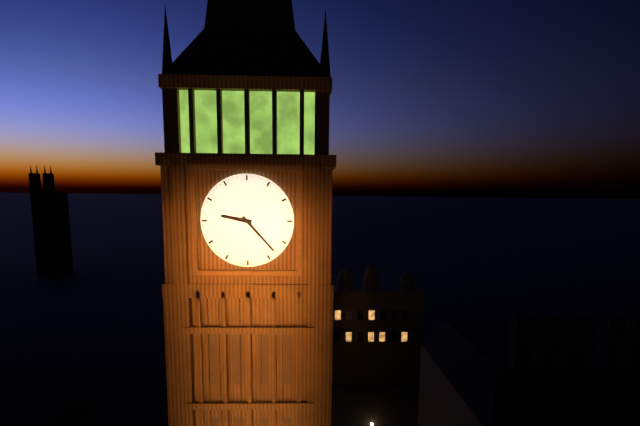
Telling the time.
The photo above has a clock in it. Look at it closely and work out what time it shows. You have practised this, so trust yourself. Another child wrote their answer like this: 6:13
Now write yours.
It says 9:23
